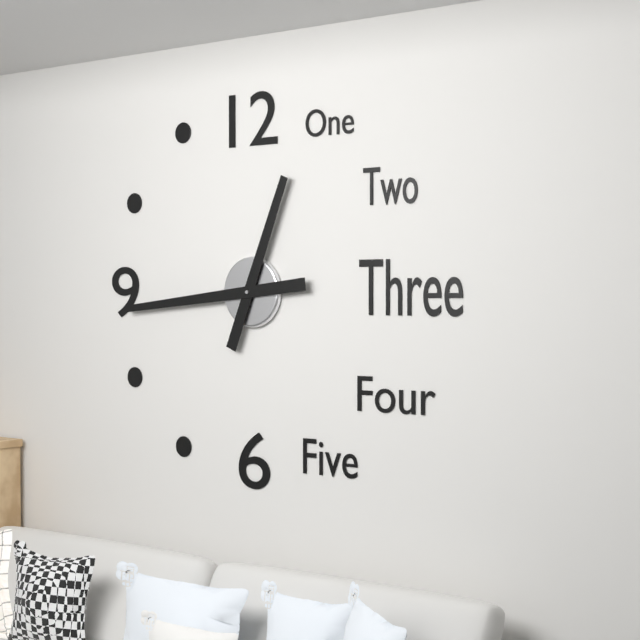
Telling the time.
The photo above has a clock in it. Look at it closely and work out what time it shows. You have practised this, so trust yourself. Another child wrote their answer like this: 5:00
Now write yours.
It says 12:44
